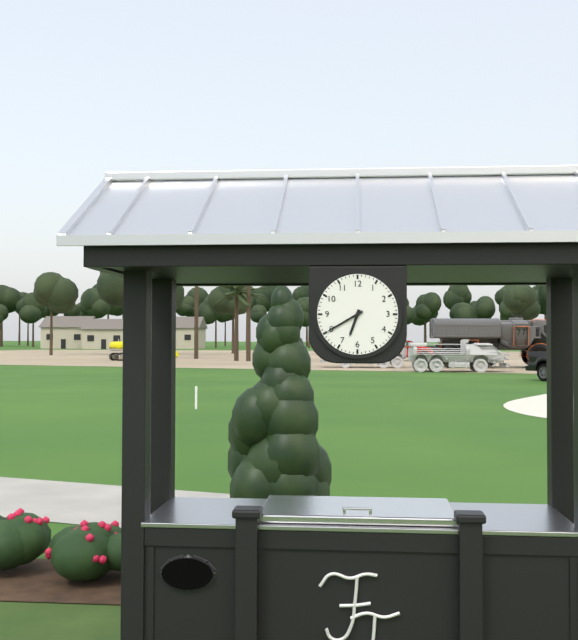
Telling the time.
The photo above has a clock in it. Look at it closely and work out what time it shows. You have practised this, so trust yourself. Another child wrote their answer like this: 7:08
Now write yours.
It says 6:40
